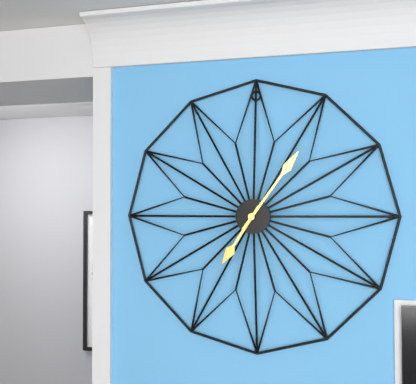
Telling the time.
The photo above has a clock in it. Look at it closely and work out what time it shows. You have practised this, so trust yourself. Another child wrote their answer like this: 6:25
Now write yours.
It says 7:06
